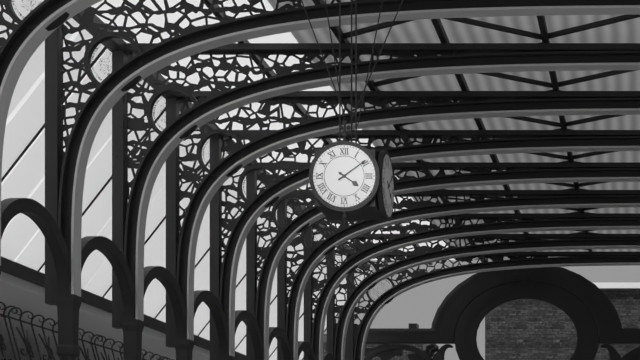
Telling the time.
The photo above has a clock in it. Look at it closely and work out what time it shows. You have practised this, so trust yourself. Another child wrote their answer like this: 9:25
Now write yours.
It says 4:09
